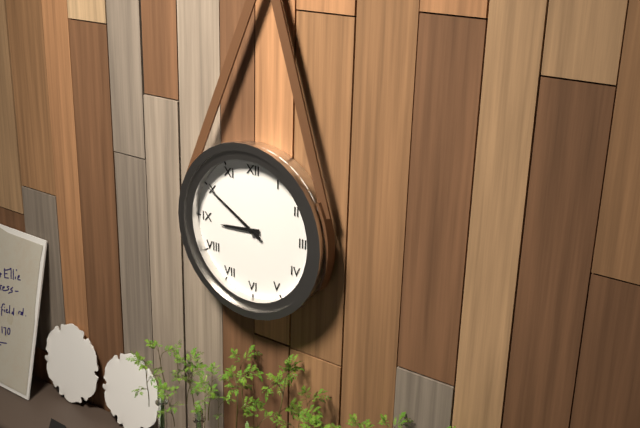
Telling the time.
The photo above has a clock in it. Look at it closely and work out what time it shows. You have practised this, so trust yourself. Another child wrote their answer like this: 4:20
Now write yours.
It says 8:50
